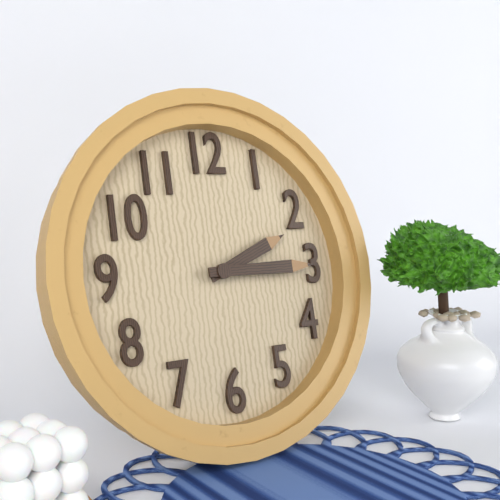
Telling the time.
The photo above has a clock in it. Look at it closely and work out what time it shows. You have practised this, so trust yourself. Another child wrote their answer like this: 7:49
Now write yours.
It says 2:15
